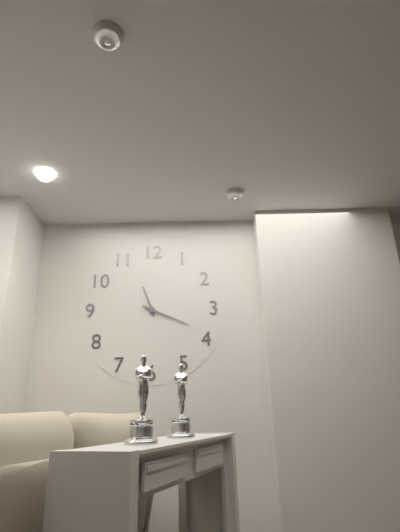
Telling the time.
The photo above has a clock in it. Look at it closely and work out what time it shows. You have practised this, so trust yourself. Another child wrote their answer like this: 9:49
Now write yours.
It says 11:19
